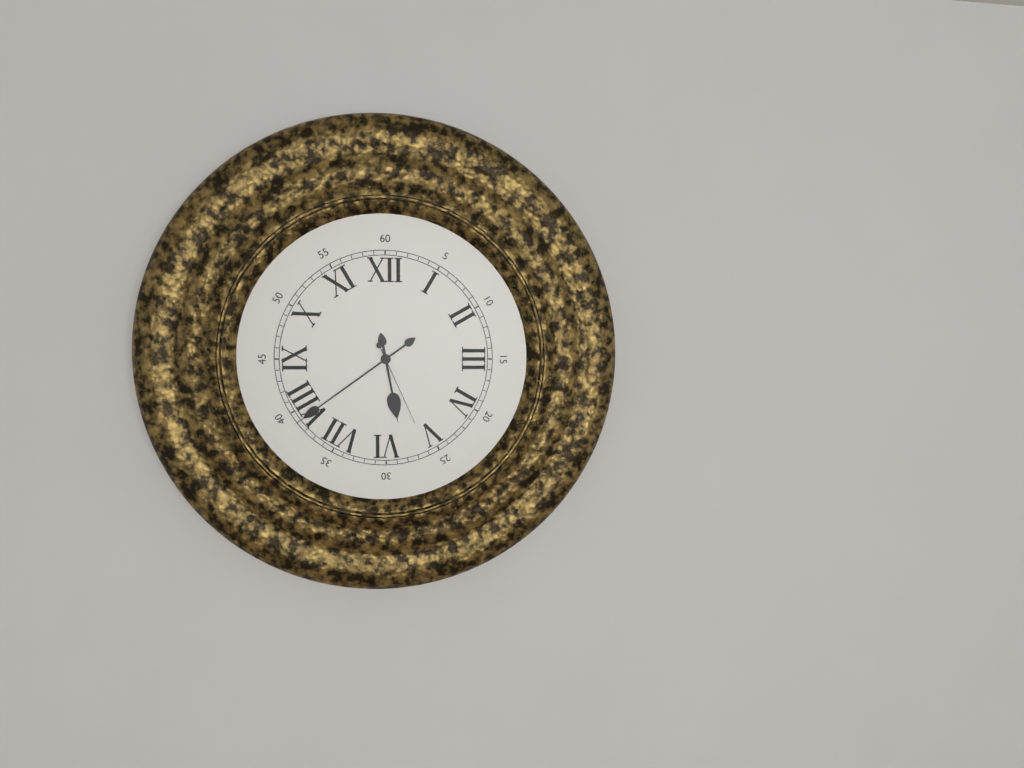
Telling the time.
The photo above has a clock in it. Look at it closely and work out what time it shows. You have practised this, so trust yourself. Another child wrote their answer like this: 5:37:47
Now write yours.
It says 5:39:26
